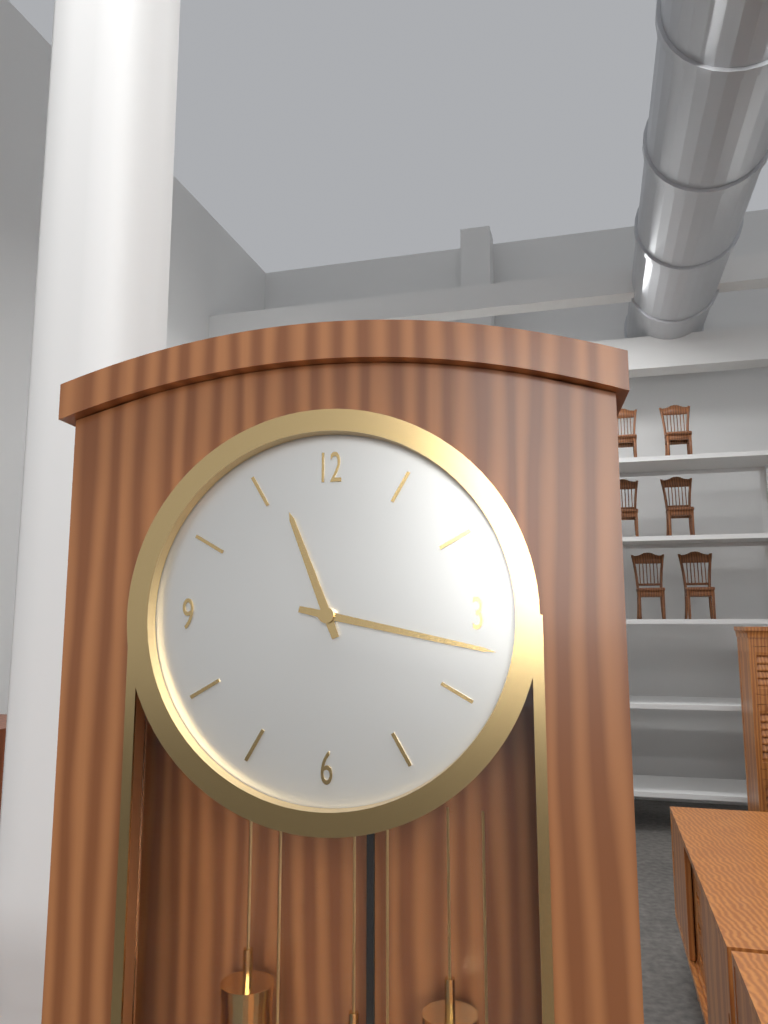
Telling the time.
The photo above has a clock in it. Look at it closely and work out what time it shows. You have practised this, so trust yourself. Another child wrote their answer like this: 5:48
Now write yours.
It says 11:17
